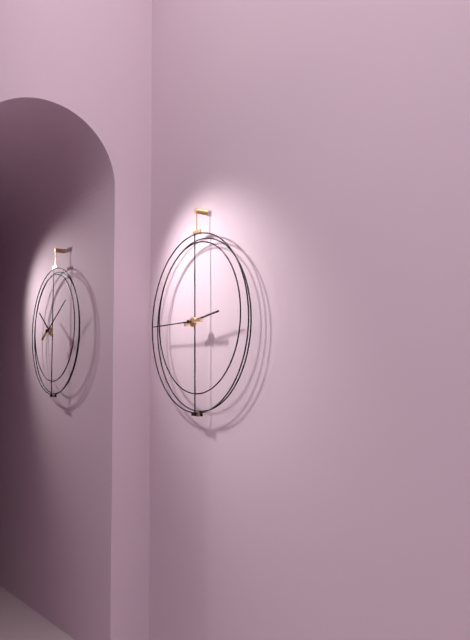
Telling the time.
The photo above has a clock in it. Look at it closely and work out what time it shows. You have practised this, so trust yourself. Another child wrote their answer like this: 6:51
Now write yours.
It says 2:45
